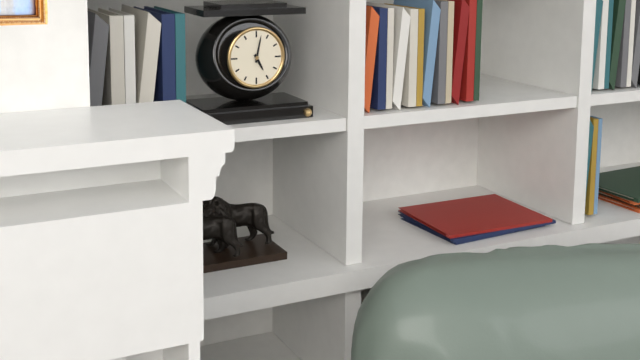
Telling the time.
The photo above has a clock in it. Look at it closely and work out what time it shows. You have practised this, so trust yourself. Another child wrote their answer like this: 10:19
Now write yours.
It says 5:02
